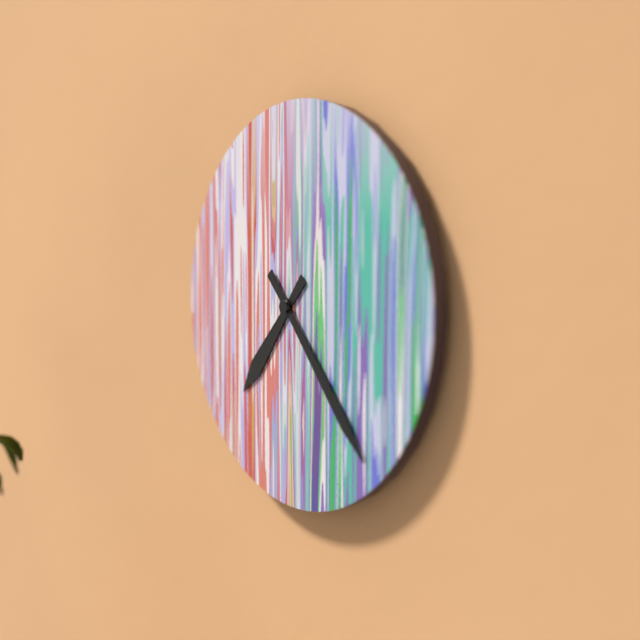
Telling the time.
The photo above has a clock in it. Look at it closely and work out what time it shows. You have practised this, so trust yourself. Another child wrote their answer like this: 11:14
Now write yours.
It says 7:23
